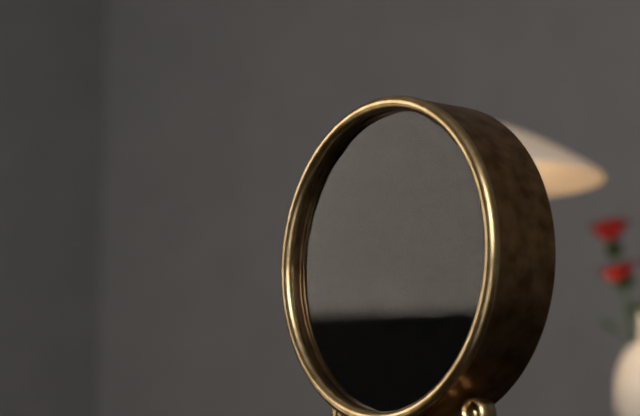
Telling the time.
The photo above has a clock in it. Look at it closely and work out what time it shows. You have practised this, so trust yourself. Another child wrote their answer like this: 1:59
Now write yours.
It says 11:22
